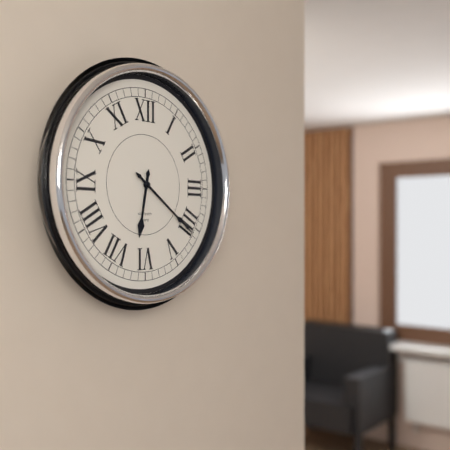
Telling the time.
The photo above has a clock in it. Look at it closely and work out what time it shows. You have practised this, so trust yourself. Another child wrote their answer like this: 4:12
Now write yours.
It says 6:21
